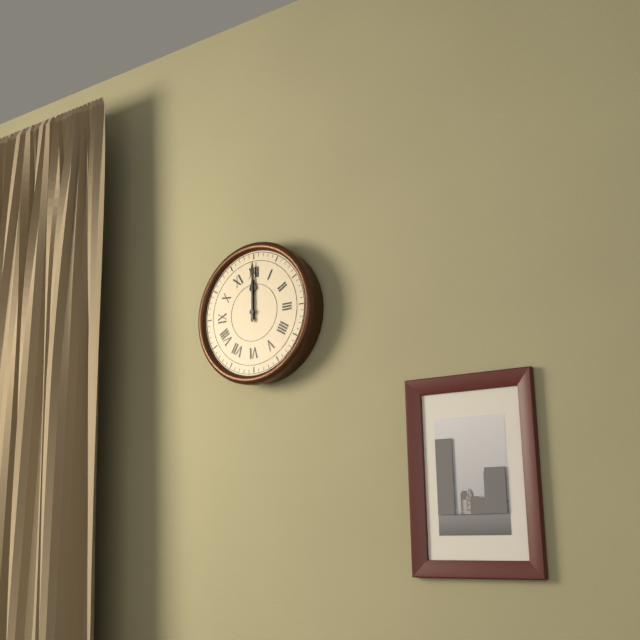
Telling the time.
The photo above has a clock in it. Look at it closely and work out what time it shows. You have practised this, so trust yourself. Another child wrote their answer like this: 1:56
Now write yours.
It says 12:00
